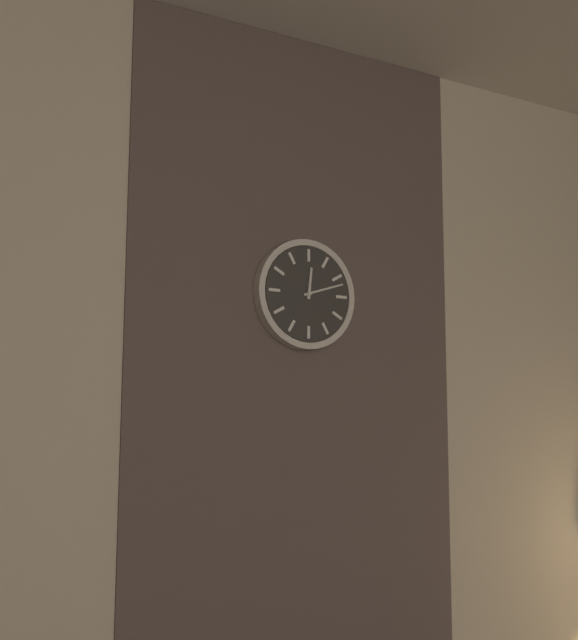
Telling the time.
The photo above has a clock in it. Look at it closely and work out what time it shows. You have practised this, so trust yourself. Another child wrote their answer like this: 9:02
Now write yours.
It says 12:12
